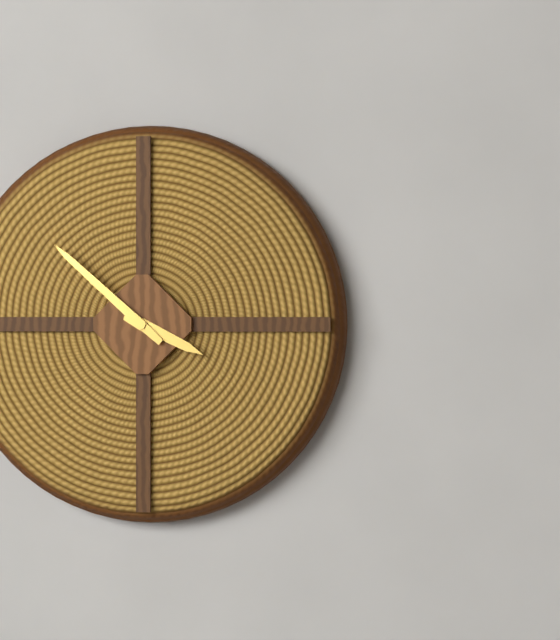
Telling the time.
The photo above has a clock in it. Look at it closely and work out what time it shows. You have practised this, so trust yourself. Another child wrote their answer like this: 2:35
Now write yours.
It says 3:52
